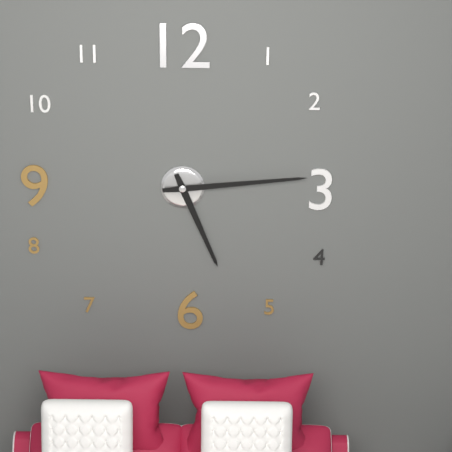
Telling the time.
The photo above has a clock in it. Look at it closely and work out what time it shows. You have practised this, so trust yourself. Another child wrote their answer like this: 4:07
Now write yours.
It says 5:14
